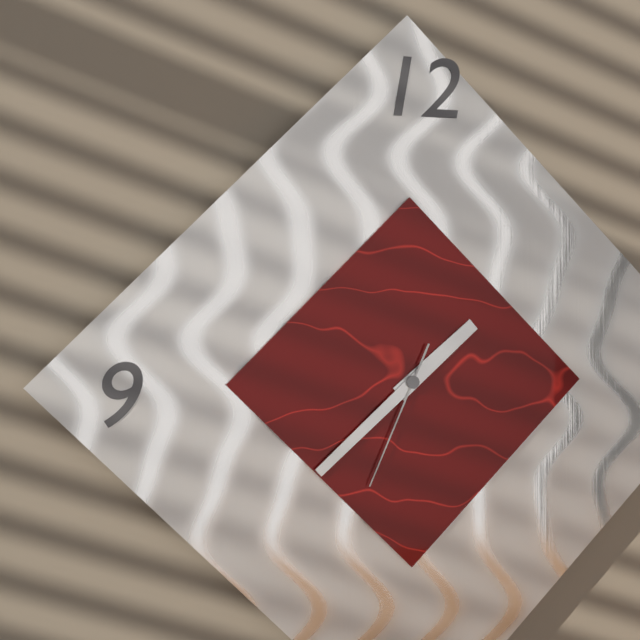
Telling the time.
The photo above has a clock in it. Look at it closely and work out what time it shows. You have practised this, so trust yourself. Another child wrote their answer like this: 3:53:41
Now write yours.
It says 1:38:34
